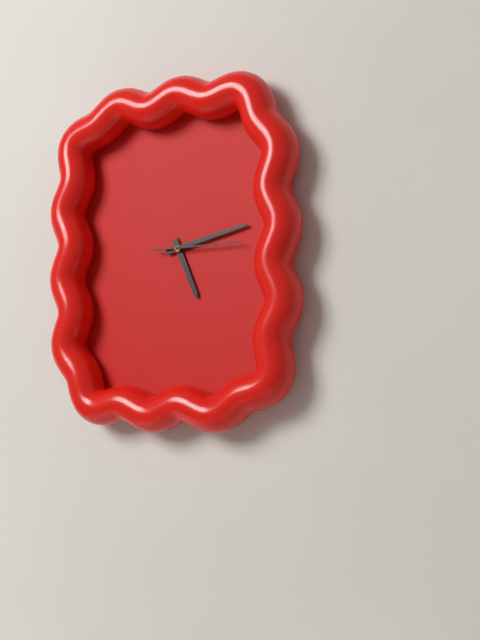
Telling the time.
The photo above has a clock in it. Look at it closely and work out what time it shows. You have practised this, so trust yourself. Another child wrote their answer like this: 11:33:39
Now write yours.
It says 5:13:15
